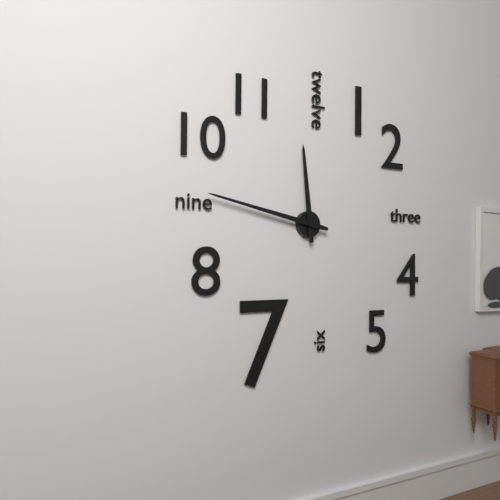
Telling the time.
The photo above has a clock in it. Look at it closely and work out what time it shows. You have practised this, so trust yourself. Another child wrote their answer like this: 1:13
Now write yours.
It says 11:47
